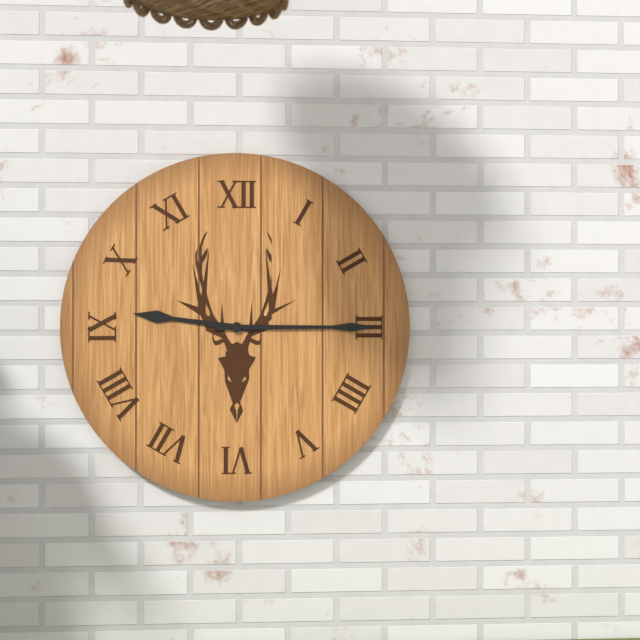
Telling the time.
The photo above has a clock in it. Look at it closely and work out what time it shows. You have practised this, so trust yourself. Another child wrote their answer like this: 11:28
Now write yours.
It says 9:15
